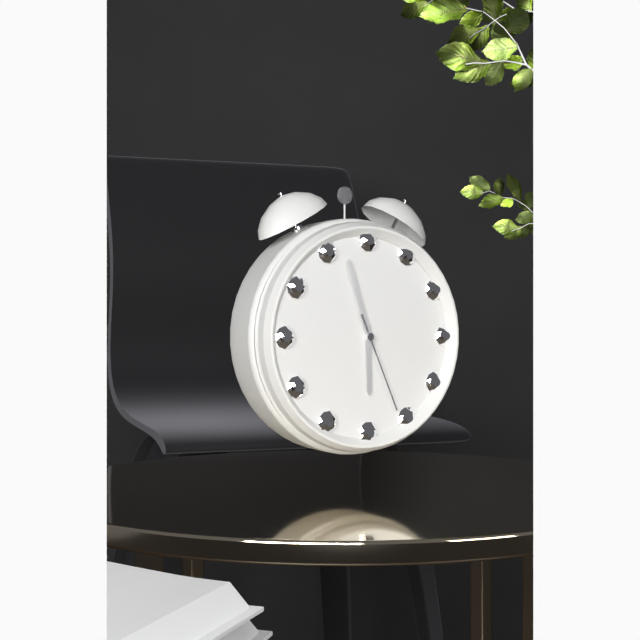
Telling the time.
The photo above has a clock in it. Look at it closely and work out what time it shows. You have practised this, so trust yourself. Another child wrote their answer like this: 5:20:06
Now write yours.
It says 5:57:26
